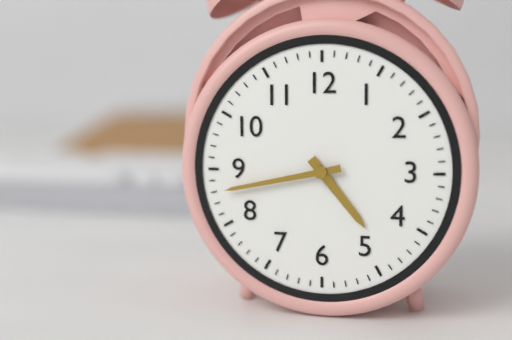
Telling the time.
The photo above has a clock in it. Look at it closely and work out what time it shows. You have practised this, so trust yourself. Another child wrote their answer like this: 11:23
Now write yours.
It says 4:43
